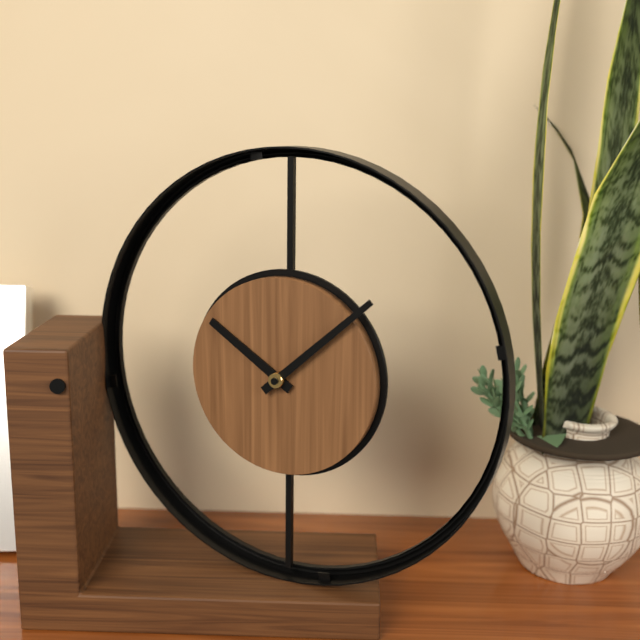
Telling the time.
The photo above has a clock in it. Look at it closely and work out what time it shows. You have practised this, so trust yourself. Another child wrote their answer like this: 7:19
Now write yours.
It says 10:08
